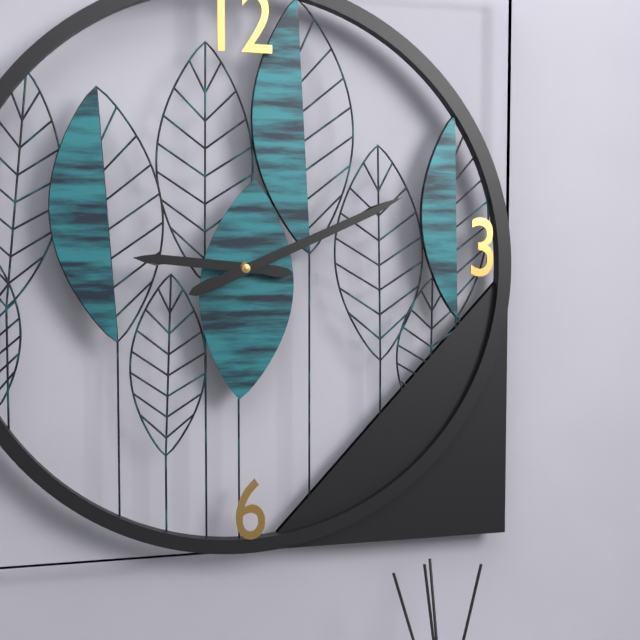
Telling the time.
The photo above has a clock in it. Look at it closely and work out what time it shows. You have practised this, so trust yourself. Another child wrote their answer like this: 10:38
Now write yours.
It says 9:11
